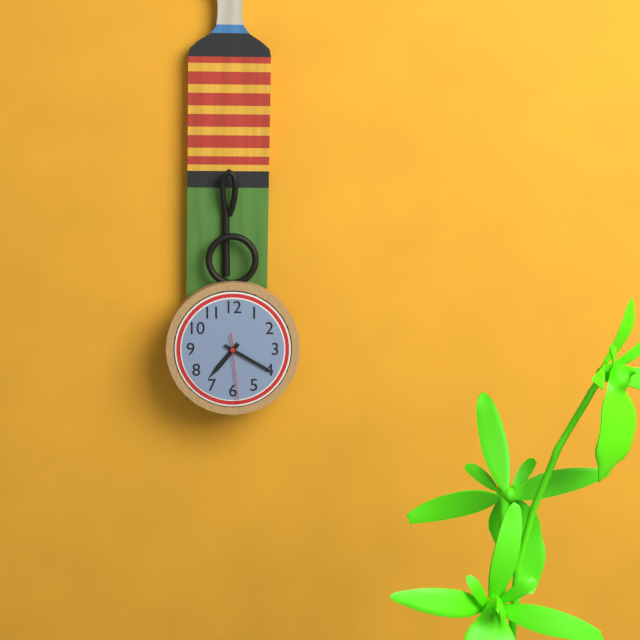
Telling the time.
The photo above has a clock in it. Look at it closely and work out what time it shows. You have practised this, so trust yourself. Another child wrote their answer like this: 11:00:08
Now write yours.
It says 7:20:29
